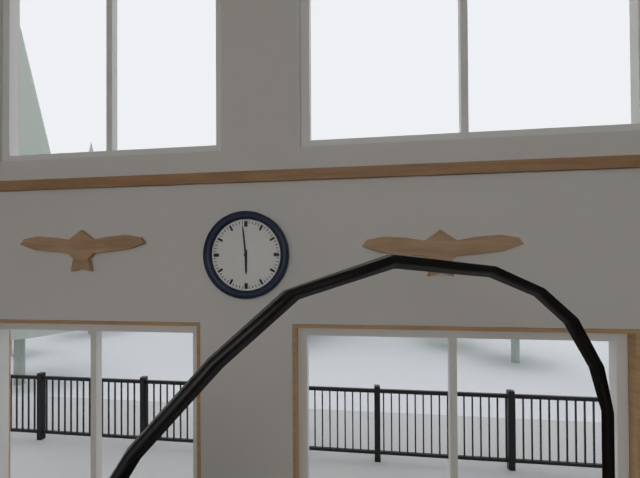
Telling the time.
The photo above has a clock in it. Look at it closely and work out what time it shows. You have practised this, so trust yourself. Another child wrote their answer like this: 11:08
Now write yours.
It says 5:59
